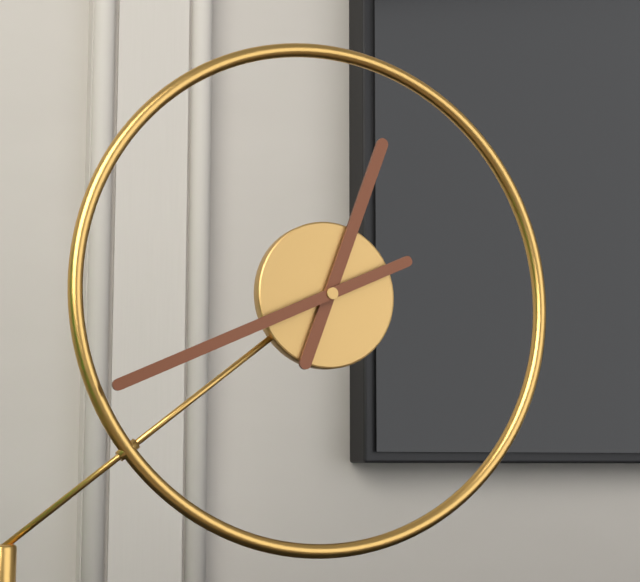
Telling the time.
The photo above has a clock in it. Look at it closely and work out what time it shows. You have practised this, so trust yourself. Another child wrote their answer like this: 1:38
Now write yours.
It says 12:41
